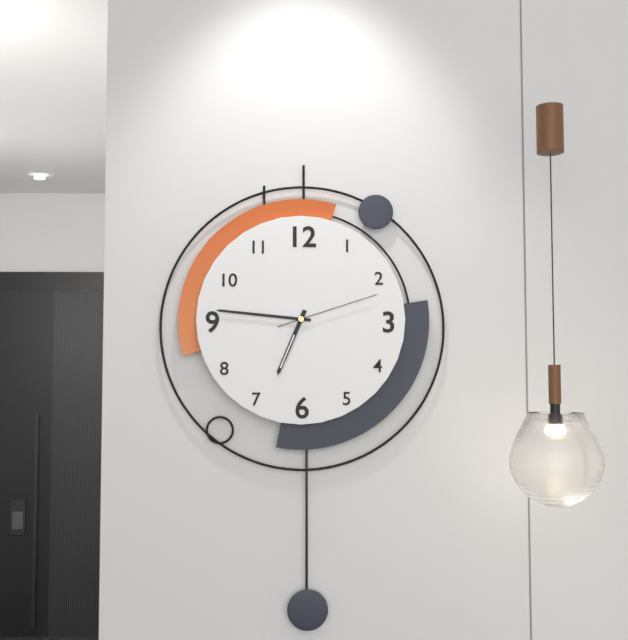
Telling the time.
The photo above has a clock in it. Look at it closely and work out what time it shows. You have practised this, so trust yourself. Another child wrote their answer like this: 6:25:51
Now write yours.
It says 6:46:12
